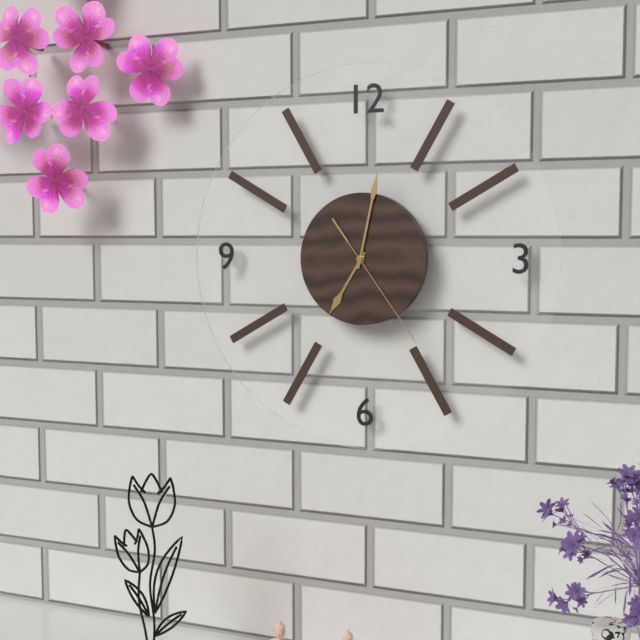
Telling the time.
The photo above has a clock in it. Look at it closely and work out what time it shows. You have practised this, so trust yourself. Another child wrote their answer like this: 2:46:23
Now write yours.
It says 7:02:24
